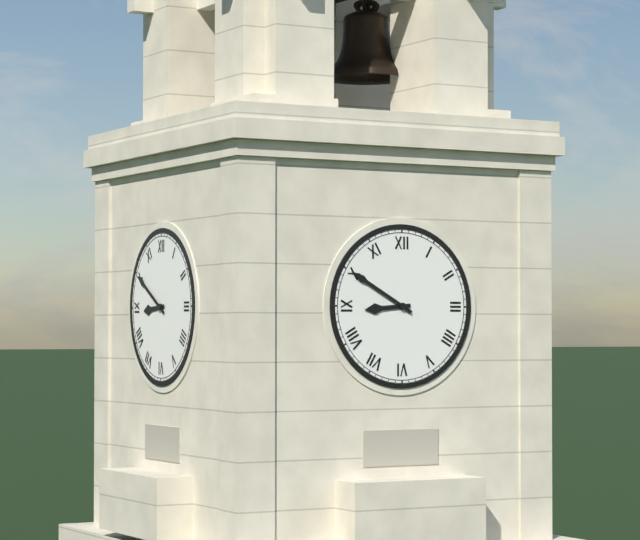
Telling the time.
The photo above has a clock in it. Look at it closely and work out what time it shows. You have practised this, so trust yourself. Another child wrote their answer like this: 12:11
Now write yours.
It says 8:50
